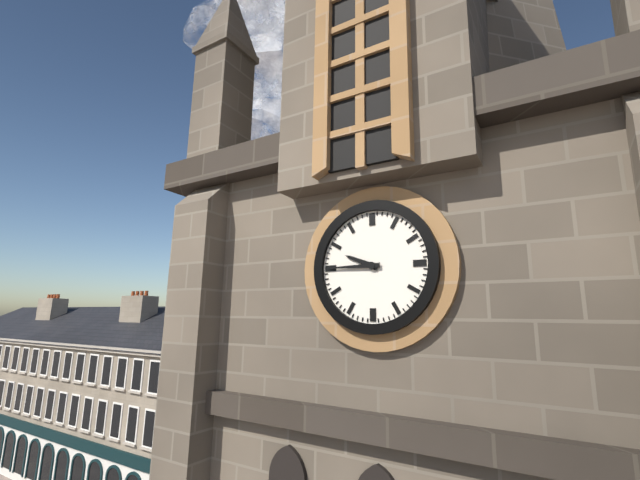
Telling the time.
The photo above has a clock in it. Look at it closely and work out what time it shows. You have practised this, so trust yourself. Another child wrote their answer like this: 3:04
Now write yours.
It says 9:45
